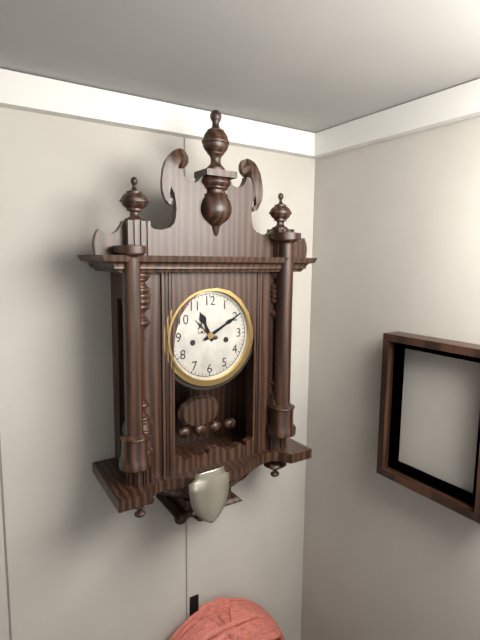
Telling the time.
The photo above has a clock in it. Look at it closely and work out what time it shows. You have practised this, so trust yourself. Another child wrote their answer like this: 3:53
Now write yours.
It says 11:10
